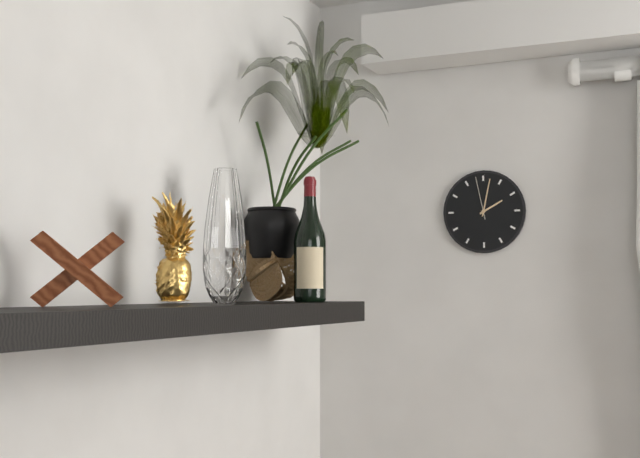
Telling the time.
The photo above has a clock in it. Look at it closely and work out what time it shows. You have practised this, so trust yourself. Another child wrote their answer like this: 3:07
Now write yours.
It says 2:02
